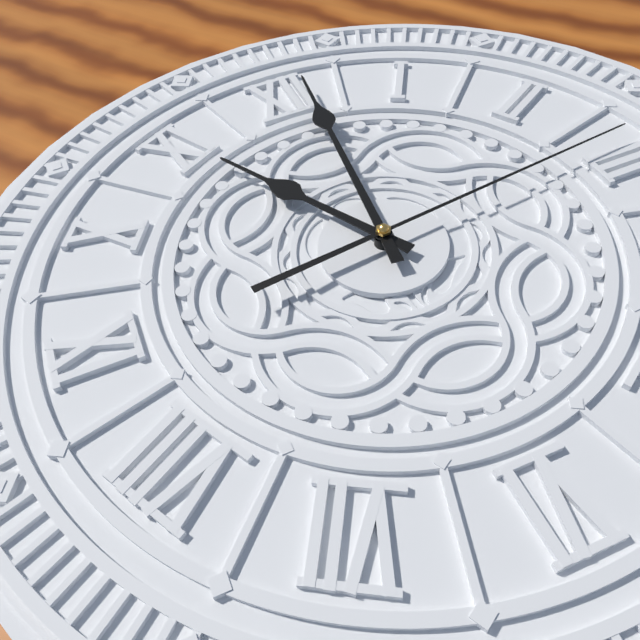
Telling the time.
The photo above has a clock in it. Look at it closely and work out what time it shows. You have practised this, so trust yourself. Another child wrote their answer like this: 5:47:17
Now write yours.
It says 11:01:14
